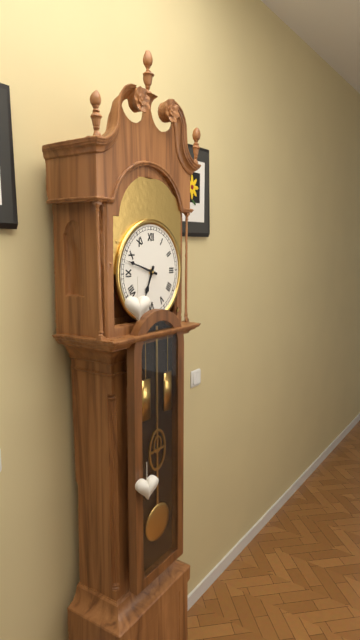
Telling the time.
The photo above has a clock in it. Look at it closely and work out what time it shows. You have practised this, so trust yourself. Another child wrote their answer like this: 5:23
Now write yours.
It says 6:48
